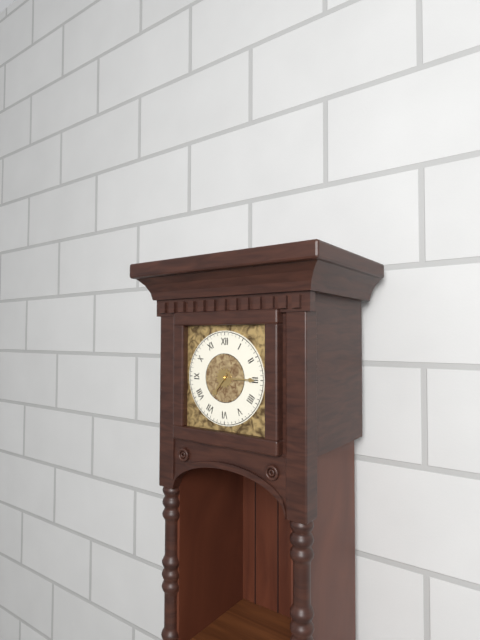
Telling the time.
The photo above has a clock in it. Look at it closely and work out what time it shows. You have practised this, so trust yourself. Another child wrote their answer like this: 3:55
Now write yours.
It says 7:15
